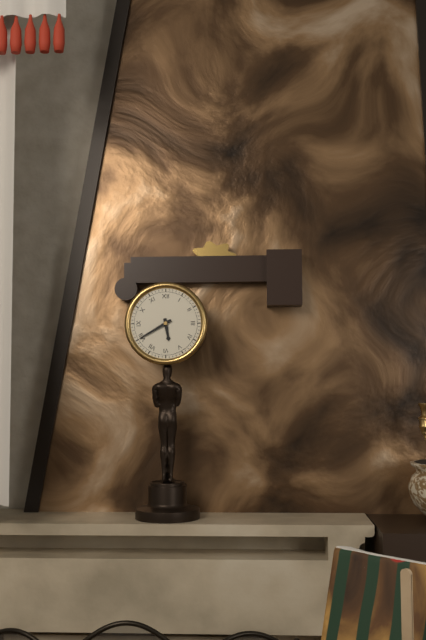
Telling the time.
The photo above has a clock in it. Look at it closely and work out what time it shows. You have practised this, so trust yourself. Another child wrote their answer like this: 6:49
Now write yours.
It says 5:40
